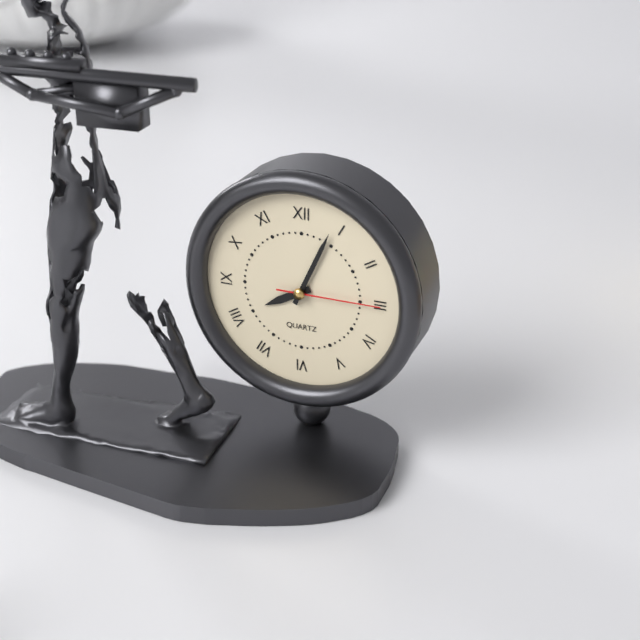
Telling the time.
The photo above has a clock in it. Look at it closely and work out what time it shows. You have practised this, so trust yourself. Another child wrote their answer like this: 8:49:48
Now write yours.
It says 8:04:15
